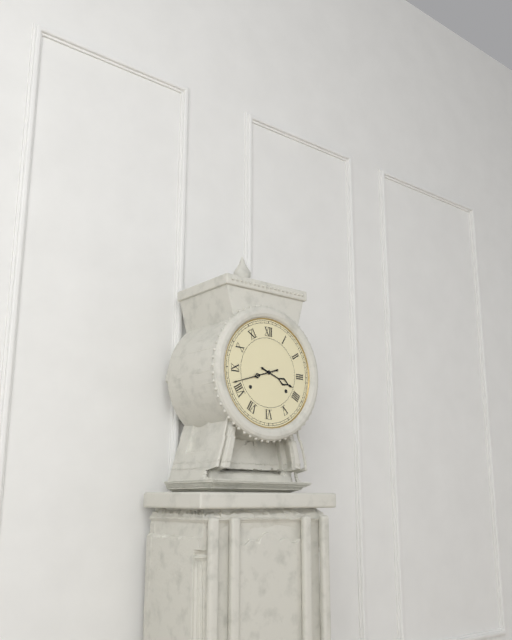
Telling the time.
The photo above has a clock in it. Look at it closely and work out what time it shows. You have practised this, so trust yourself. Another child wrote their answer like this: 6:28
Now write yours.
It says 3:42
